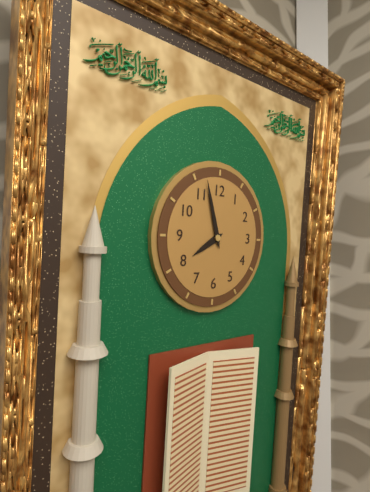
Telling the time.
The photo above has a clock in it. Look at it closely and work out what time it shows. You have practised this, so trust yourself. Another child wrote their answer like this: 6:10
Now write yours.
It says 7:57
